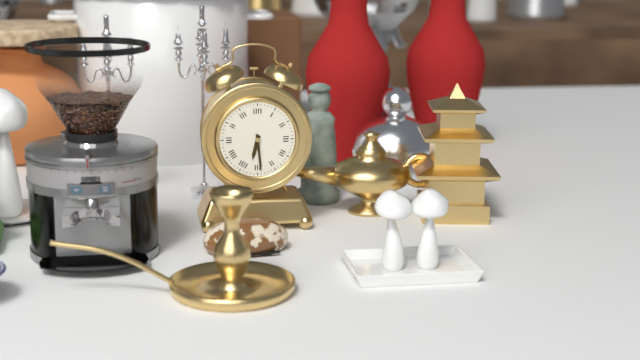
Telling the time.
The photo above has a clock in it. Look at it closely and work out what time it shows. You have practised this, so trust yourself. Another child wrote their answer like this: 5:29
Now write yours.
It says 6:29
